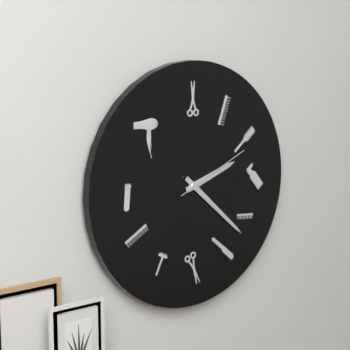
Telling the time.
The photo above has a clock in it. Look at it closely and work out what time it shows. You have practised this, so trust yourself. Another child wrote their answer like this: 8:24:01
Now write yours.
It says 2:22:11
